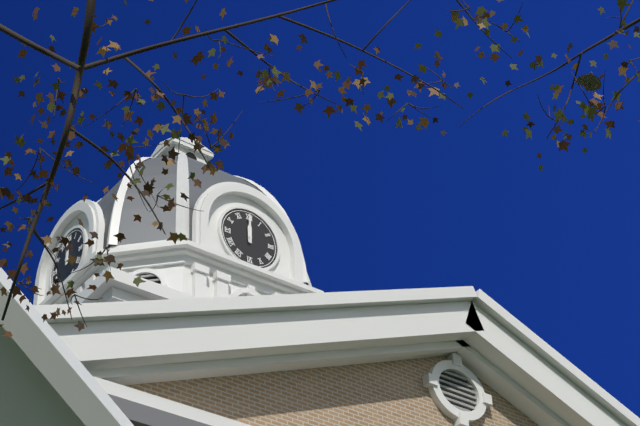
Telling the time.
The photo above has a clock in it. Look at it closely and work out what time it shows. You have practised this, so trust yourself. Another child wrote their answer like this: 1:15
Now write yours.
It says 12:00
